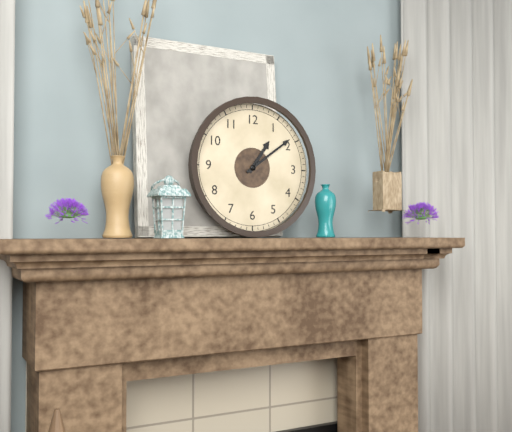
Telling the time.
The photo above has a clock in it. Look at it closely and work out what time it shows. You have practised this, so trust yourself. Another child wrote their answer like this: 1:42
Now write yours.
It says 1:09
